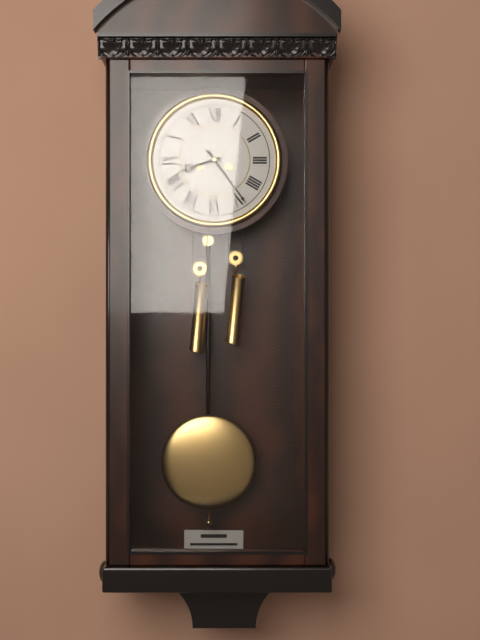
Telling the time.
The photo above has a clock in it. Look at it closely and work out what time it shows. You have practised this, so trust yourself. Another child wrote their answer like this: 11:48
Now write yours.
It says 8:24
